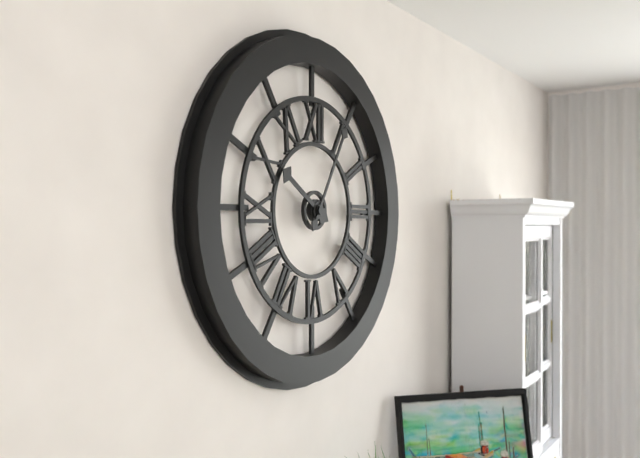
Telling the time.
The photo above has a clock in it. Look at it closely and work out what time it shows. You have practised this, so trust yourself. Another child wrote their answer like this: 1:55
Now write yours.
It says 10:05
